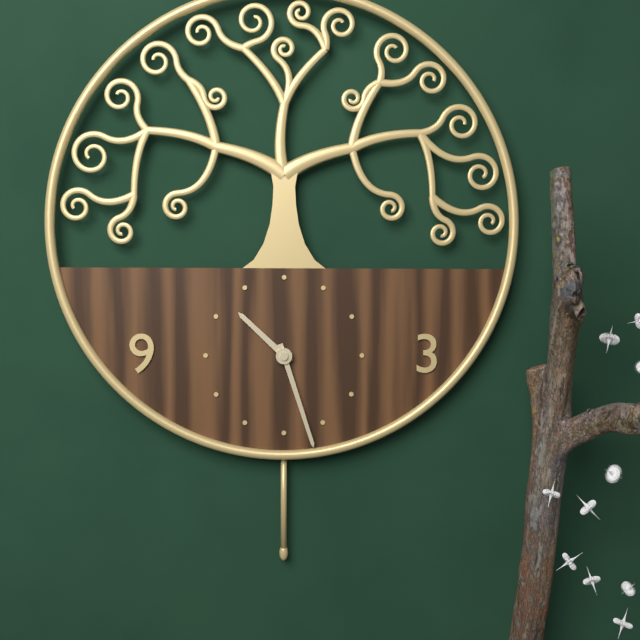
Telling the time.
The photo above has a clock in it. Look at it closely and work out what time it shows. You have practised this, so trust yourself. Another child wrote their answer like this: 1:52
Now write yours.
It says 10:27
